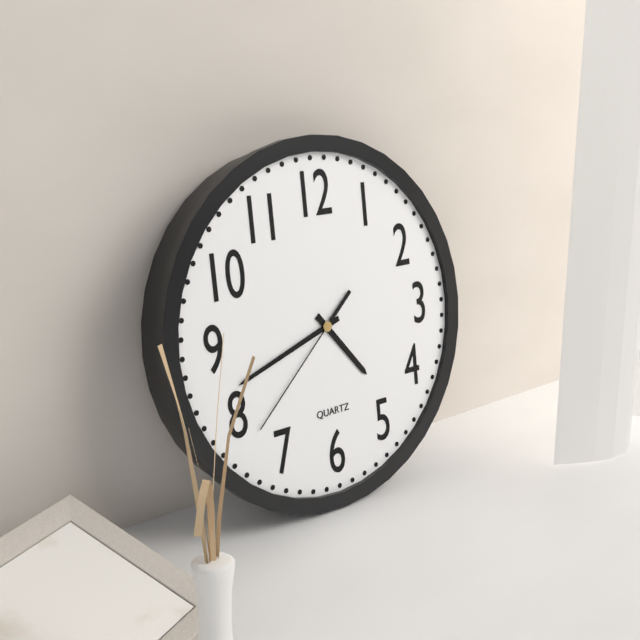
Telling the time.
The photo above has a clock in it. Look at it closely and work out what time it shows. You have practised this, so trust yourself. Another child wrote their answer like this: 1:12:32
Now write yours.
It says 4:42:38
